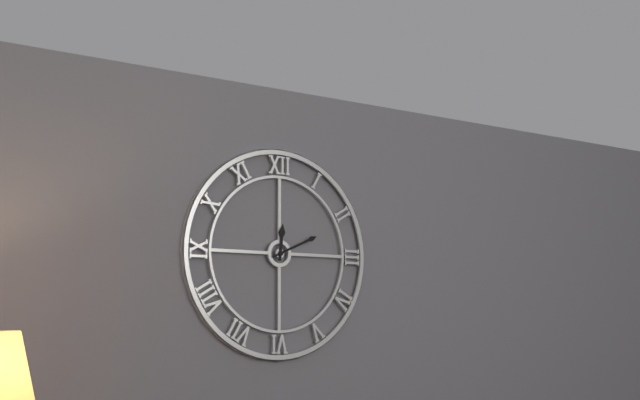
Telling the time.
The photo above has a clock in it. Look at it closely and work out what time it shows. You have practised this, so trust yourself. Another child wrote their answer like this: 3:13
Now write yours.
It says 12:11
